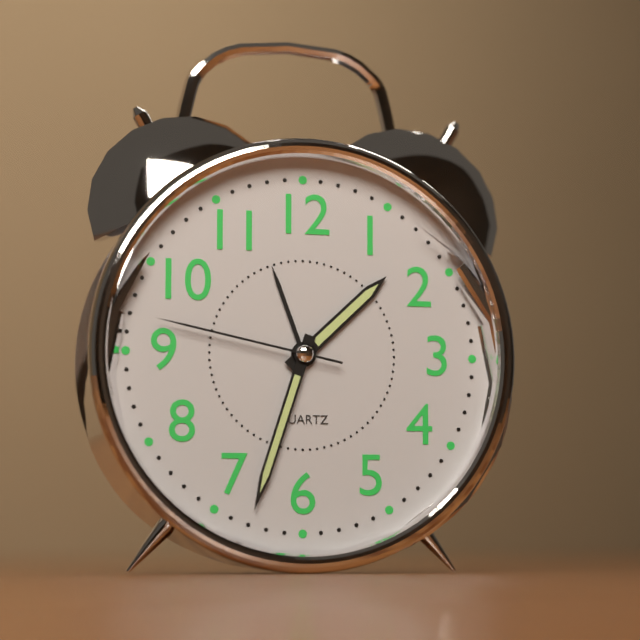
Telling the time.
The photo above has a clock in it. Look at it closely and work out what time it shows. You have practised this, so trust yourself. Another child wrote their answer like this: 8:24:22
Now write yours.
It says 1:33:47
